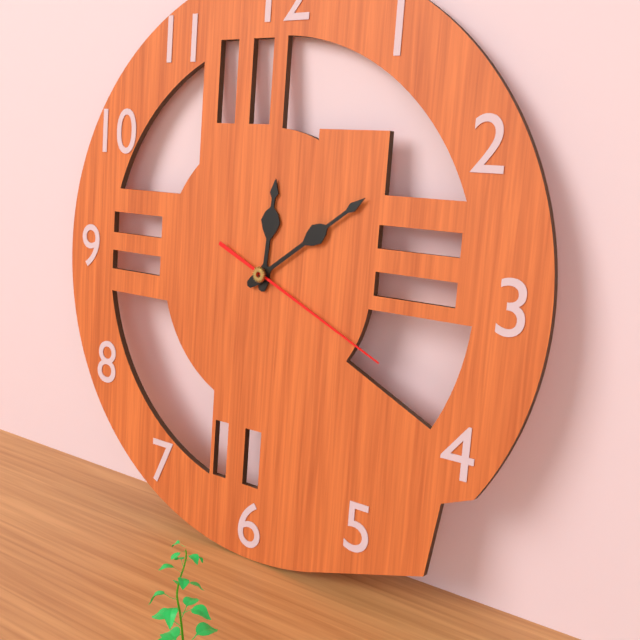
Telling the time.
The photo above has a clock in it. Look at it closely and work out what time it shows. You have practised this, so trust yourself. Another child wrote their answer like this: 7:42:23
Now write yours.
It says 12:09:19
